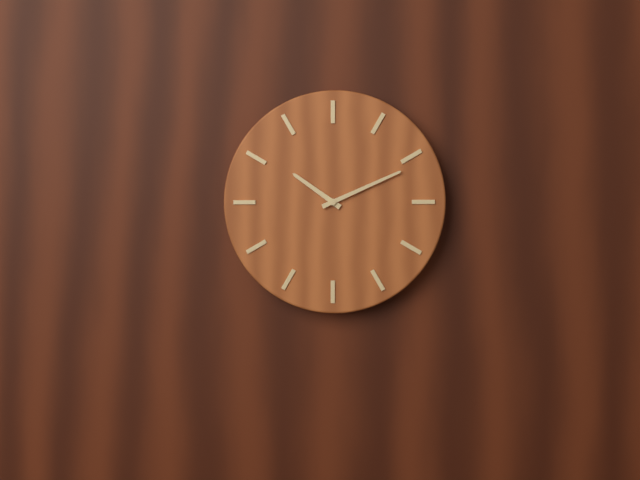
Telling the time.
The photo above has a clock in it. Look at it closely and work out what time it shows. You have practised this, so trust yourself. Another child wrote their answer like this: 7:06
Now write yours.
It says 10:11
